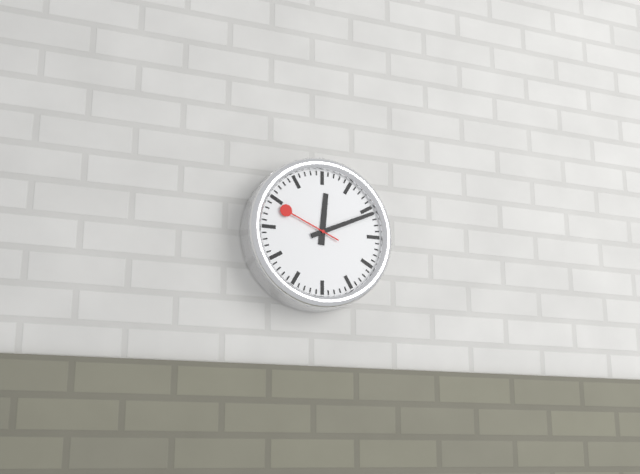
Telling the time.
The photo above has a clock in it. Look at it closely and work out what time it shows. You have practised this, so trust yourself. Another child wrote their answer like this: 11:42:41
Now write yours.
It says 12:11:49
